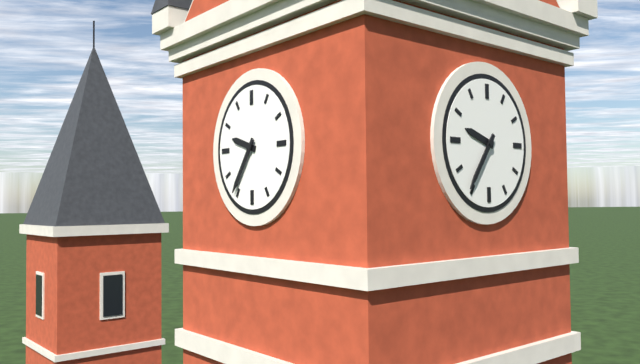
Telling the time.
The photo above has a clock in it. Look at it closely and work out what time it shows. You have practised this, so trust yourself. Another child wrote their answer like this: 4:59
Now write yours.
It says 9:36
